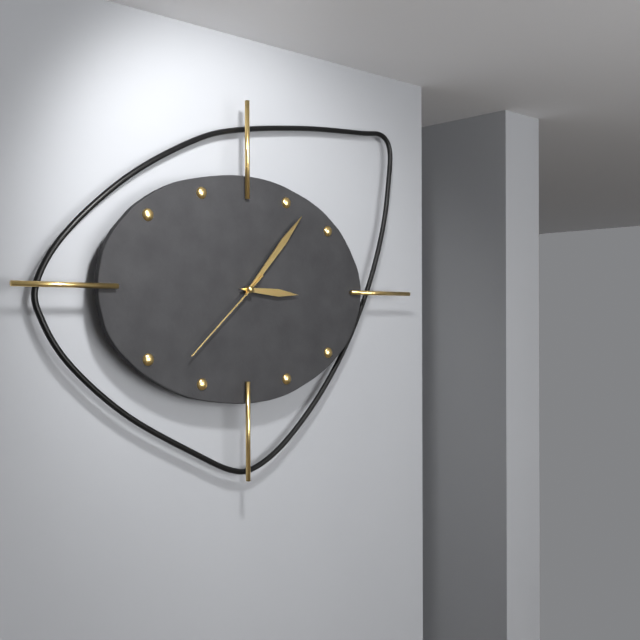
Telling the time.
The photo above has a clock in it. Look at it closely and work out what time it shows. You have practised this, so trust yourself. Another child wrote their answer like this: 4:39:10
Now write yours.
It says 3:07:38
